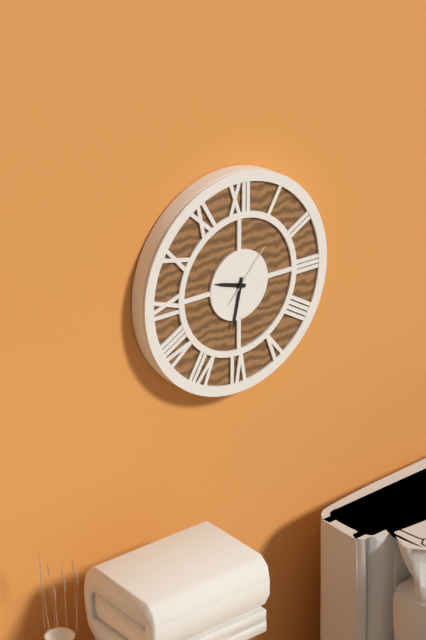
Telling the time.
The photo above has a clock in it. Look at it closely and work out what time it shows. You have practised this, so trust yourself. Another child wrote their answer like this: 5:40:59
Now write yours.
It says 9:32:07
